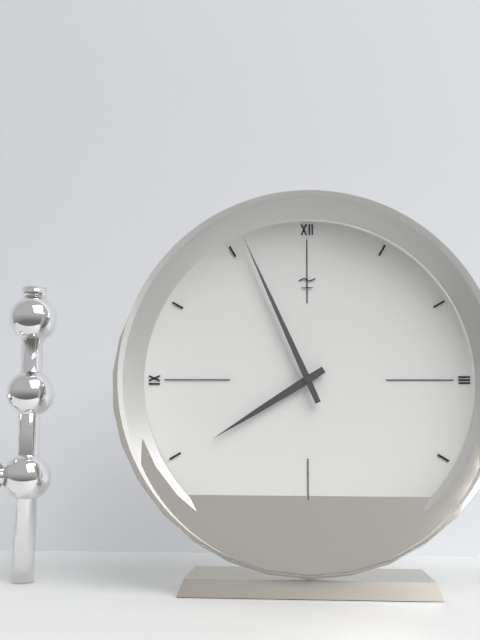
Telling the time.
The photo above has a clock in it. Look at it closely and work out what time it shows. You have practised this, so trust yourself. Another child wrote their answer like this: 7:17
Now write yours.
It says 7:56
